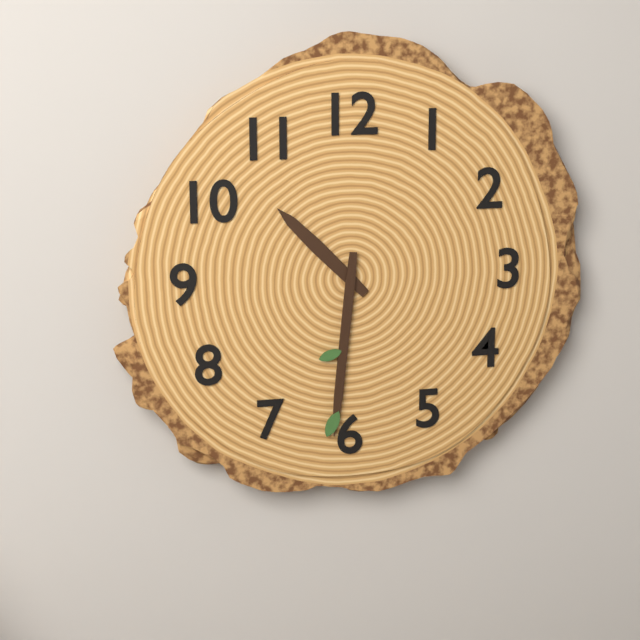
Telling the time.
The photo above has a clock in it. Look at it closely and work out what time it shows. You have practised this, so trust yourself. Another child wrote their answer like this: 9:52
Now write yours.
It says 10:31
